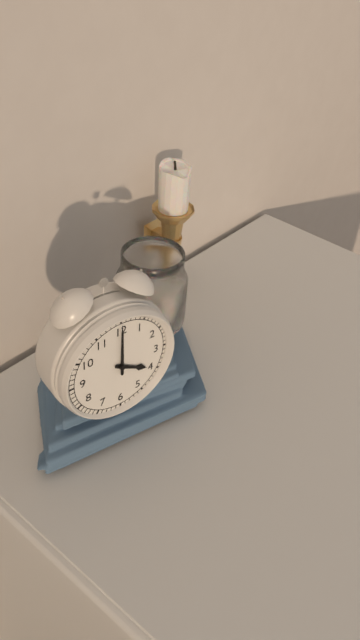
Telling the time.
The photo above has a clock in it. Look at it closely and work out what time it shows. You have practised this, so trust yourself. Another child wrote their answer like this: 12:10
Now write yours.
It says 4:00
